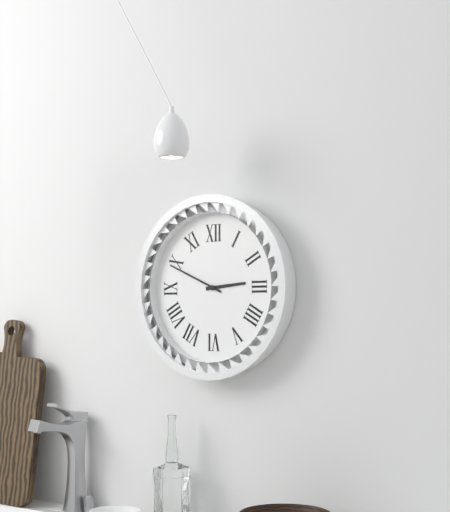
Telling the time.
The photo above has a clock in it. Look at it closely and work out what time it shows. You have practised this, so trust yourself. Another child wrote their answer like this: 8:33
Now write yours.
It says 2:49
